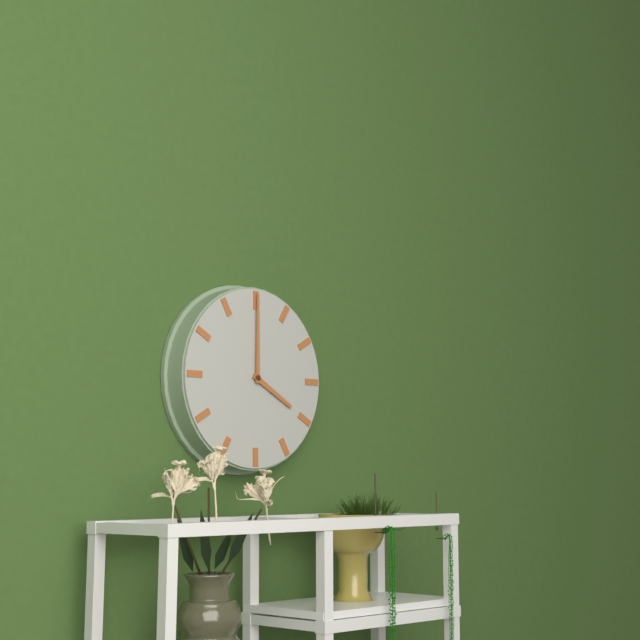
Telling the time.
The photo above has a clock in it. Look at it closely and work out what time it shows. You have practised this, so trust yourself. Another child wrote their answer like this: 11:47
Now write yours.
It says 4:00
